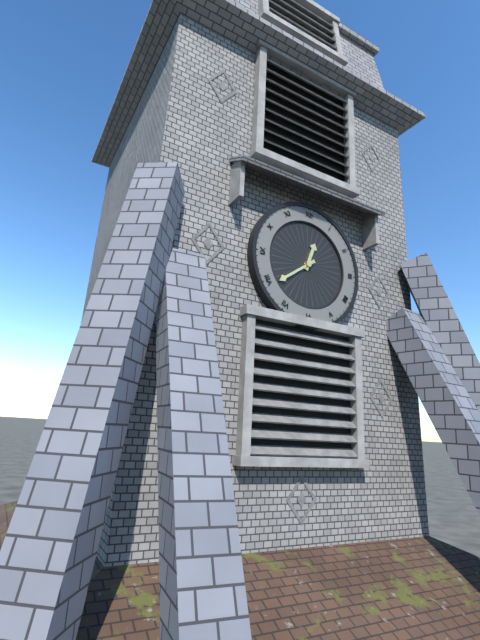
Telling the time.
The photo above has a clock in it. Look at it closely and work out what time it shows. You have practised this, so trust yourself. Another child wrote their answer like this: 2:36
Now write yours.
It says 12:39
